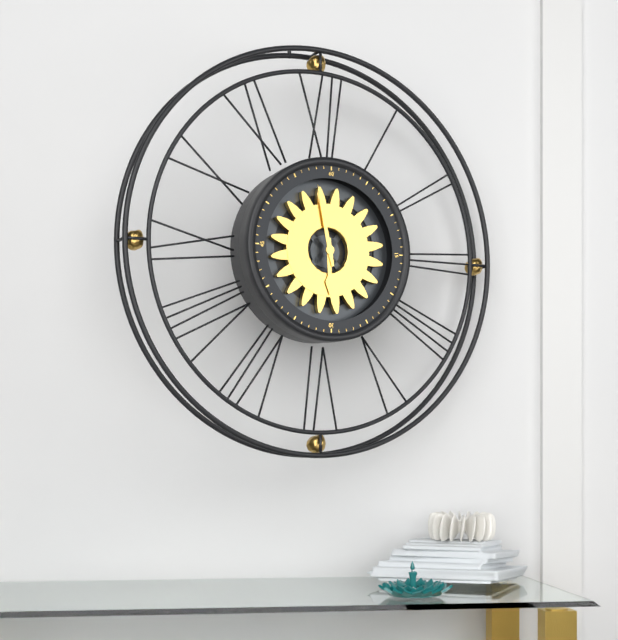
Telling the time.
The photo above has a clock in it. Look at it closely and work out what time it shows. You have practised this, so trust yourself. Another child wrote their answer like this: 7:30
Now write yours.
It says 5:58
